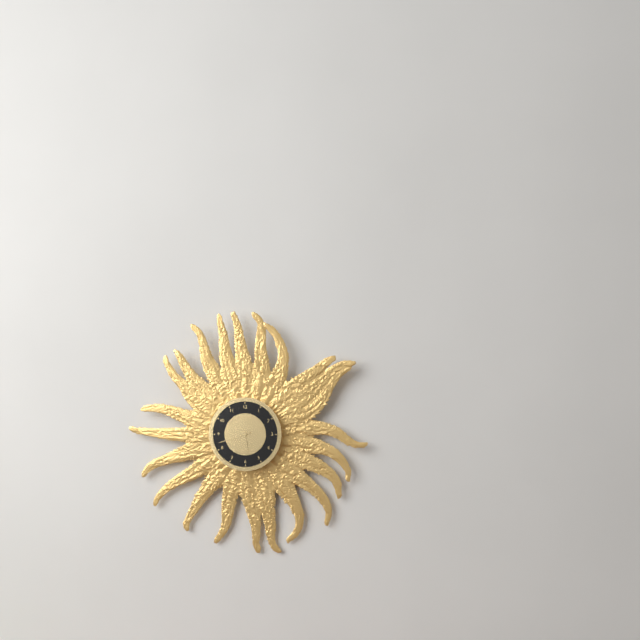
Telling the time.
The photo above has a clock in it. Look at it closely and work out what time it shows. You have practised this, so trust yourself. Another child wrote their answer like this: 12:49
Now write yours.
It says 5:42
